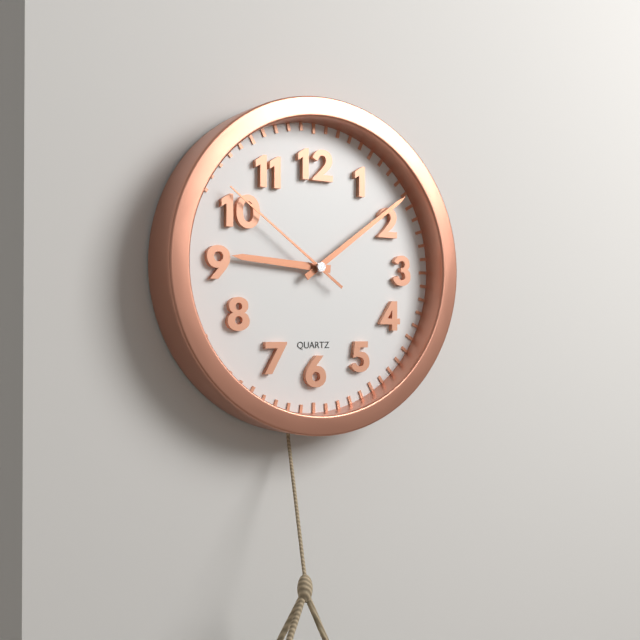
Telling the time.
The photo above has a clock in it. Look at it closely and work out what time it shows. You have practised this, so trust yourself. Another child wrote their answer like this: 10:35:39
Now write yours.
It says 9:09:51
